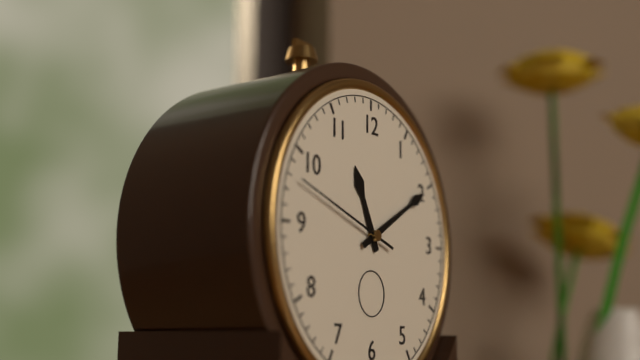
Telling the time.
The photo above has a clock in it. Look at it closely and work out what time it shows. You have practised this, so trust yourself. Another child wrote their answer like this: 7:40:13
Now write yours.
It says 11:10:48
